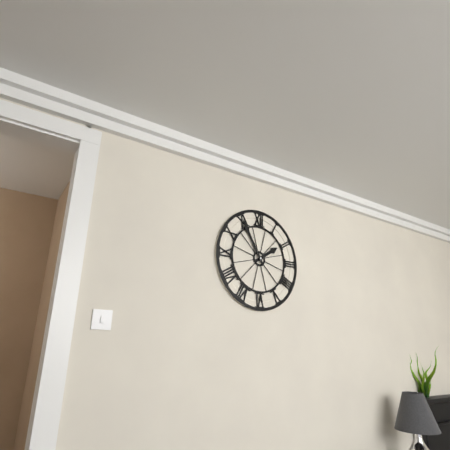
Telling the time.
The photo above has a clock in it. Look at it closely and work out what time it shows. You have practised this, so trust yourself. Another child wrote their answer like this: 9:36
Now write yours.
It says 1:55
